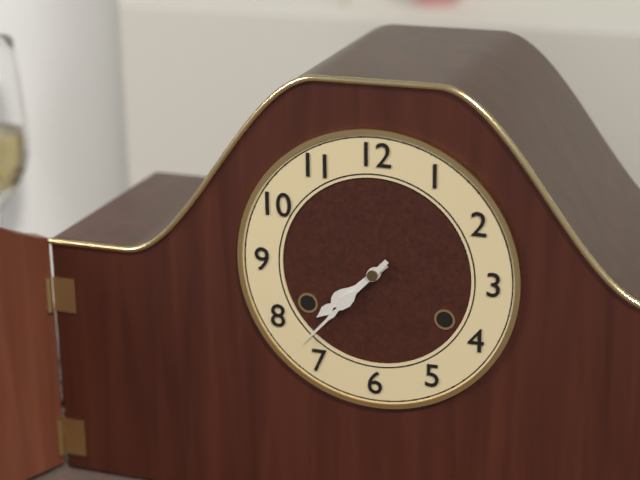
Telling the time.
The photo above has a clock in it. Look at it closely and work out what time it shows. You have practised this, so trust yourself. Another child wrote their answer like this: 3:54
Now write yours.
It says 7:37
